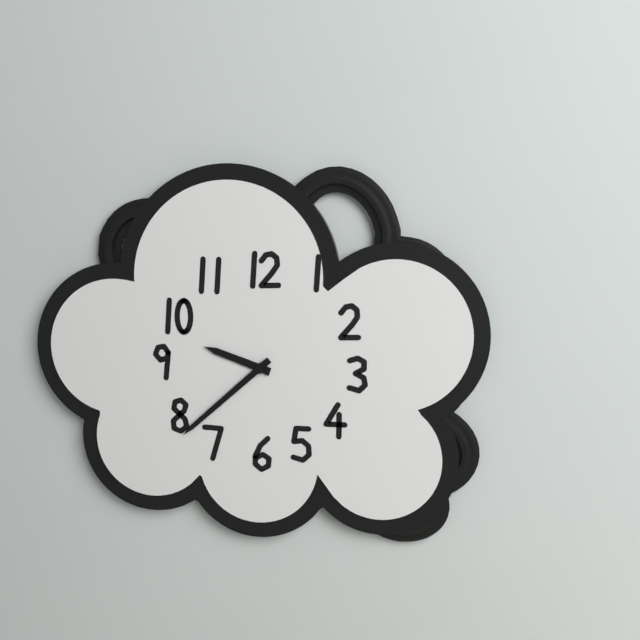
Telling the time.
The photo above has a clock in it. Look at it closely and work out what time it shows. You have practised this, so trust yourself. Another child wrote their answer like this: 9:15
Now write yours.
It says 9:38
